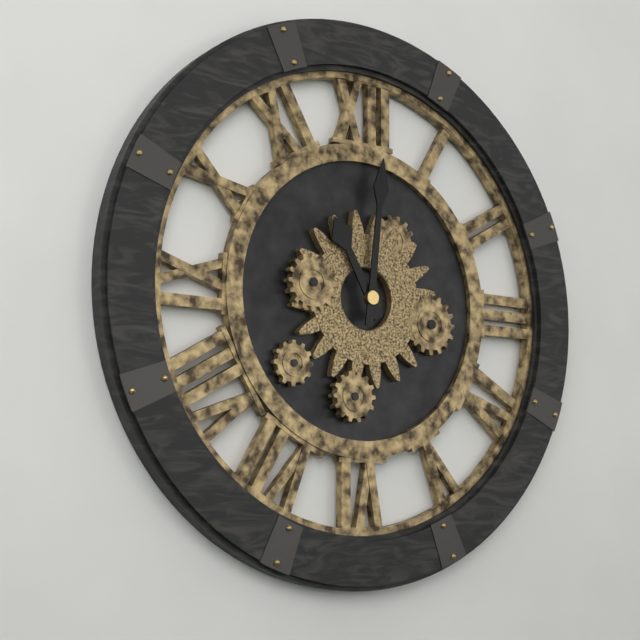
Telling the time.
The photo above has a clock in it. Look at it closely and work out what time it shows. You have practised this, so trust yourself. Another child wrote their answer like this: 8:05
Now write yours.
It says 11:01
